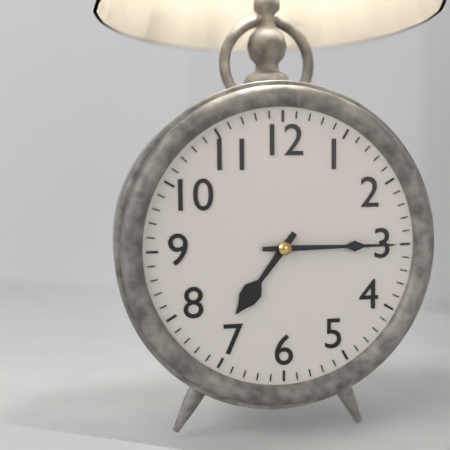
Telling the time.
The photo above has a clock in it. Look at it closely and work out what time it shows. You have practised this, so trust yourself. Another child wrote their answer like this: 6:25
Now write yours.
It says 7:15
